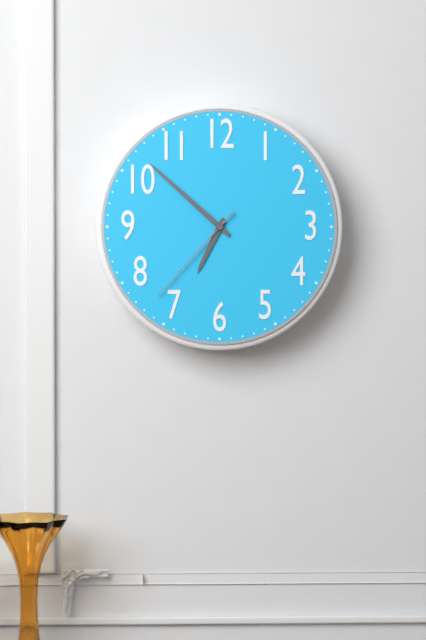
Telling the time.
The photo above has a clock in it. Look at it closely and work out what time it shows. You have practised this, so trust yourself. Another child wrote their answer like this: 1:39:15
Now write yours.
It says 6:52:37
